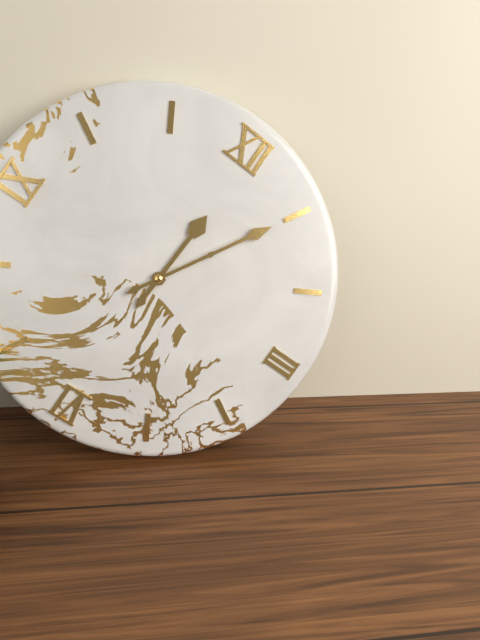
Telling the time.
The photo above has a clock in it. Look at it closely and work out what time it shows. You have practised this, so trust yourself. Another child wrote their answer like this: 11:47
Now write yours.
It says 12:05
